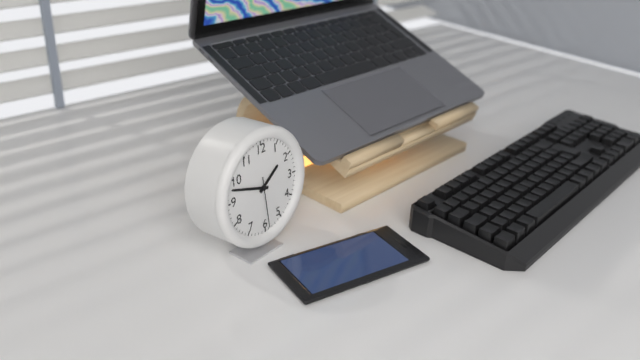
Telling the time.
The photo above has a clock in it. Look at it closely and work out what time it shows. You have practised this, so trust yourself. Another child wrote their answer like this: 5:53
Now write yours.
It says 1:48
